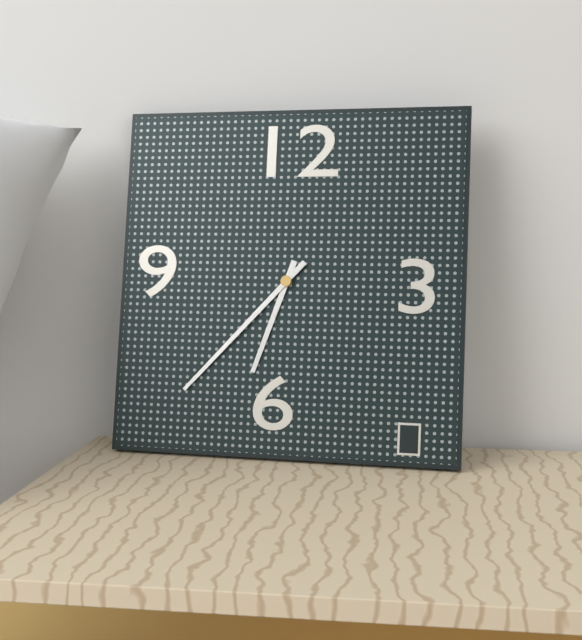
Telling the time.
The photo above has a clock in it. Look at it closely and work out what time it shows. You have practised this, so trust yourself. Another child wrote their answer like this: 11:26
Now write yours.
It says 6:37
